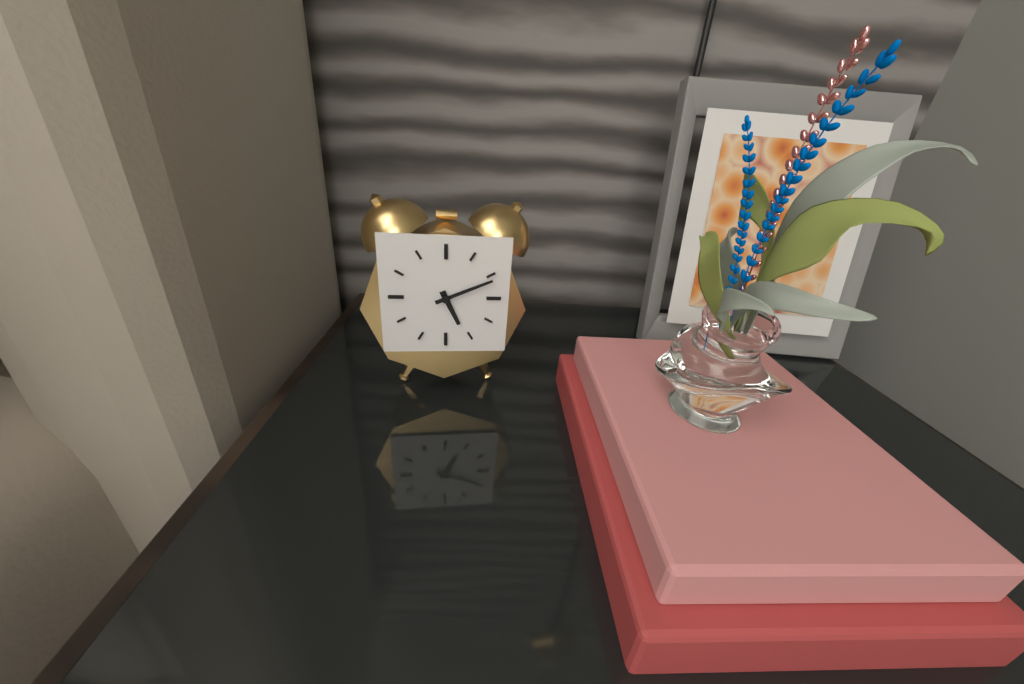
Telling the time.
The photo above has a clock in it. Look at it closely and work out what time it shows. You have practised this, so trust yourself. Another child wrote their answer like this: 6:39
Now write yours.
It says 5:11
